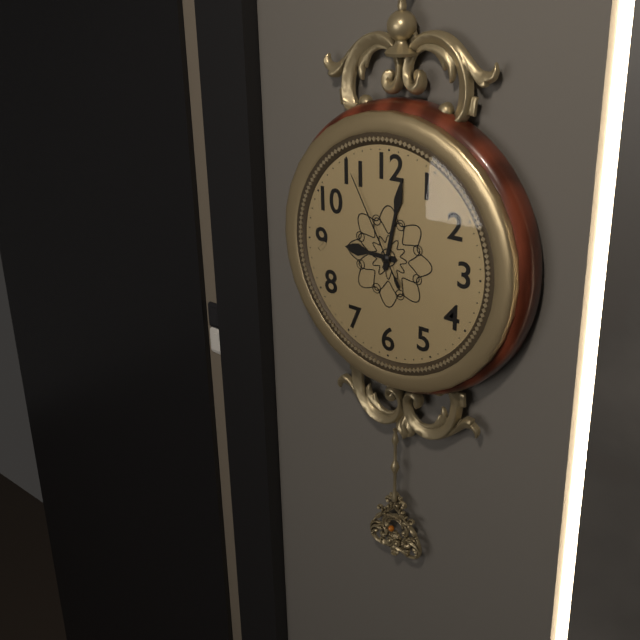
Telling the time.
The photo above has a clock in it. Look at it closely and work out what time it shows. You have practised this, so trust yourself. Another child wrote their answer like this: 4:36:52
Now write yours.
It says 9:02:55
